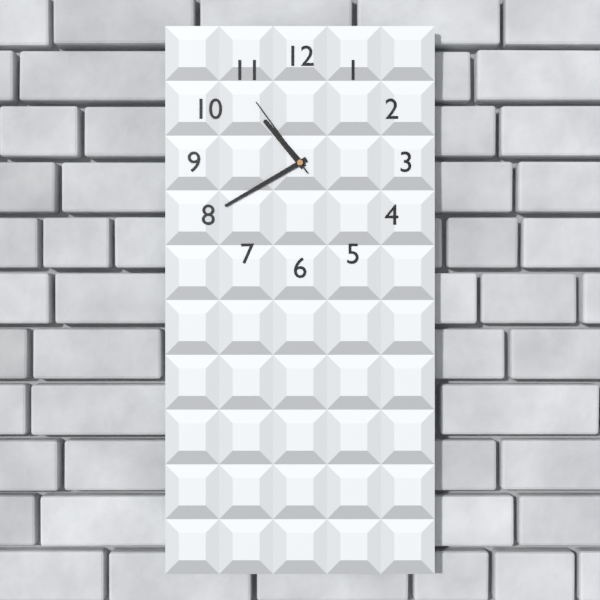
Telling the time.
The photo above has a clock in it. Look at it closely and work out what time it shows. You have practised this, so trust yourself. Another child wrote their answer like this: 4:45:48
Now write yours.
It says 10:40:54
